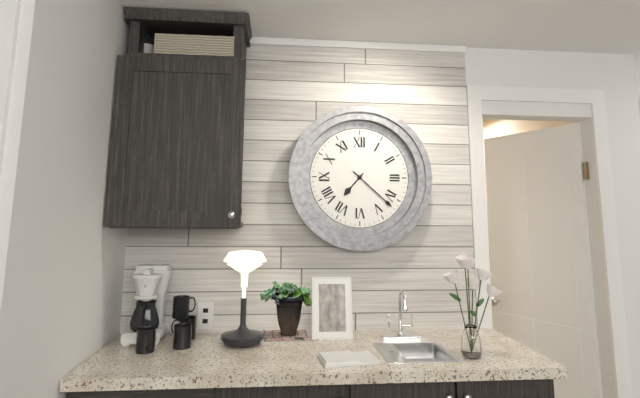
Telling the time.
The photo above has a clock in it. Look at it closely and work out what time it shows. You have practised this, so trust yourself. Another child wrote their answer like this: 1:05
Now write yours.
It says 7:22
